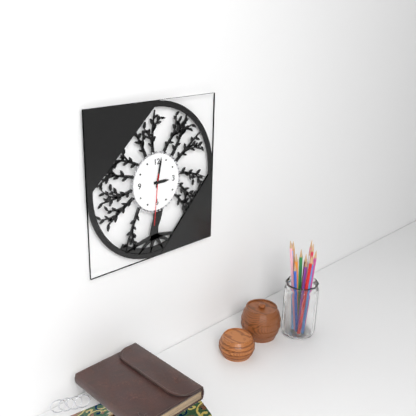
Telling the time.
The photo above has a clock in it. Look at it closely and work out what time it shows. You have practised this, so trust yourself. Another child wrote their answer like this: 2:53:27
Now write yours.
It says 3:02:31
